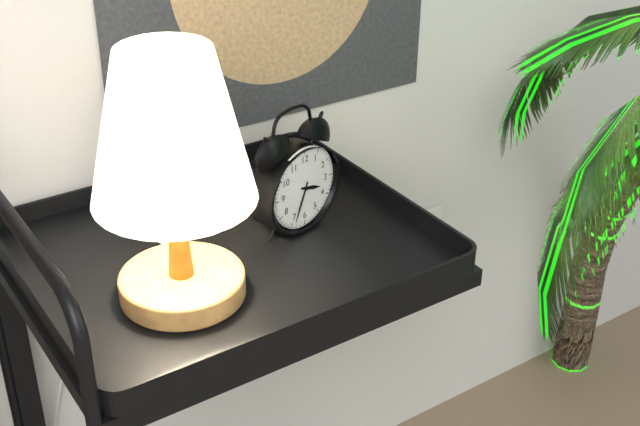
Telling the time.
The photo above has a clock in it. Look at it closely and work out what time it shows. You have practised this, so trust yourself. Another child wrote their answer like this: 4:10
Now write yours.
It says 3:34
